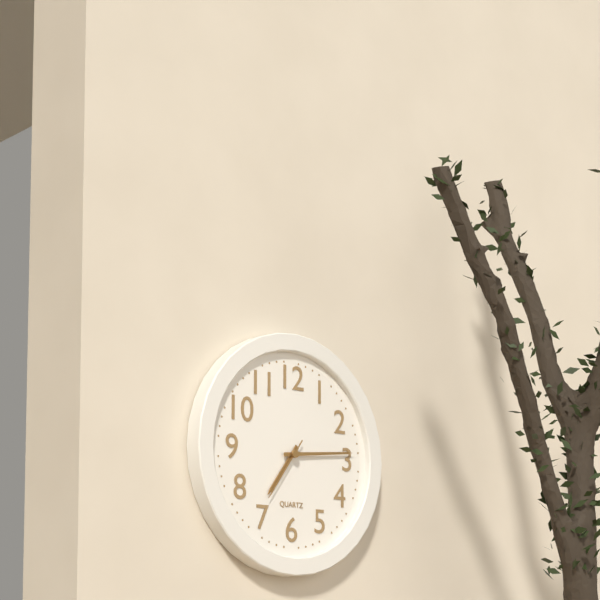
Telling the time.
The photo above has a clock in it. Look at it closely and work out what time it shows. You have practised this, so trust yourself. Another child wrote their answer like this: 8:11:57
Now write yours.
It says 7:14:36
